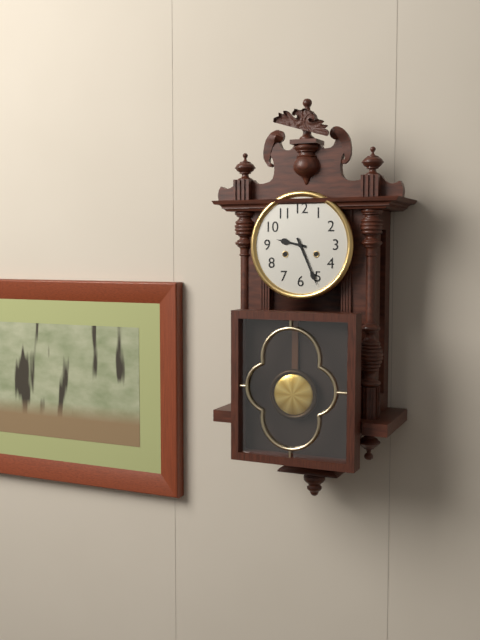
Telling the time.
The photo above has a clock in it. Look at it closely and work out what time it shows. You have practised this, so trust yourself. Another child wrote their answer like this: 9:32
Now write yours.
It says 9:26
